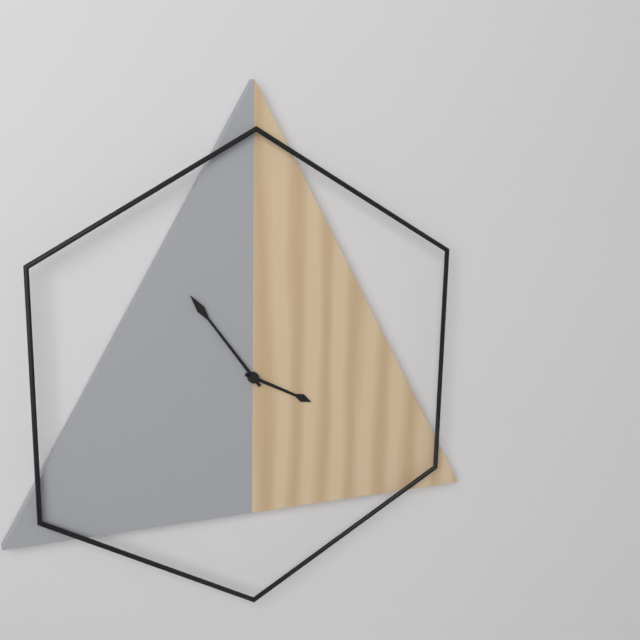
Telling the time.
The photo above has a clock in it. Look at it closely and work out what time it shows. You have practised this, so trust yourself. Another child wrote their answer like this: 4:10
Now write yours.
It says 3:54
